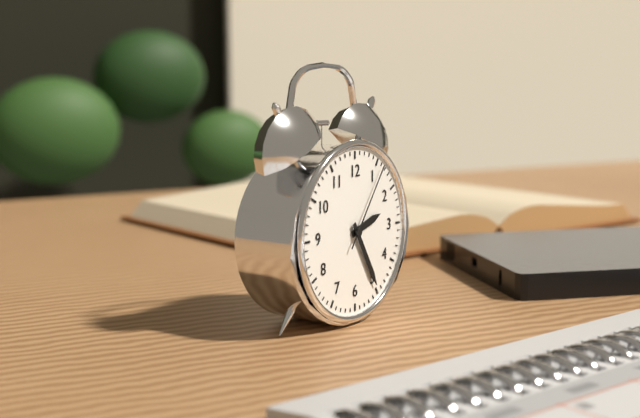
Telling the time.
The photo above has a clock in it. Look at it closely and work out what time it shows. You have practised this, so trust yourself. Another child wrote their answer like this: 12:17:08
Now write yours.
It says 2:25:06
